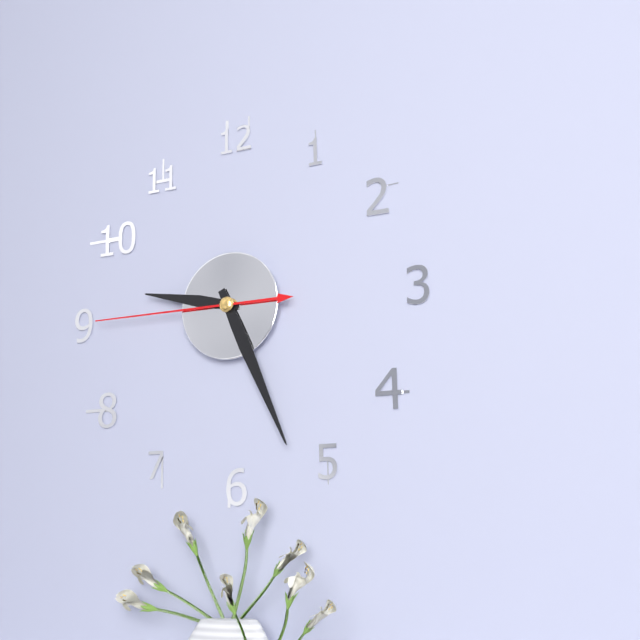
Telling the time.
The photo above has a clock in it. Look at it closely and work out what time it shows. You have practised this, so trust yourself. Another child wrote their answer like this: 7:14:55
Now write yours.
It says 9:26:45
